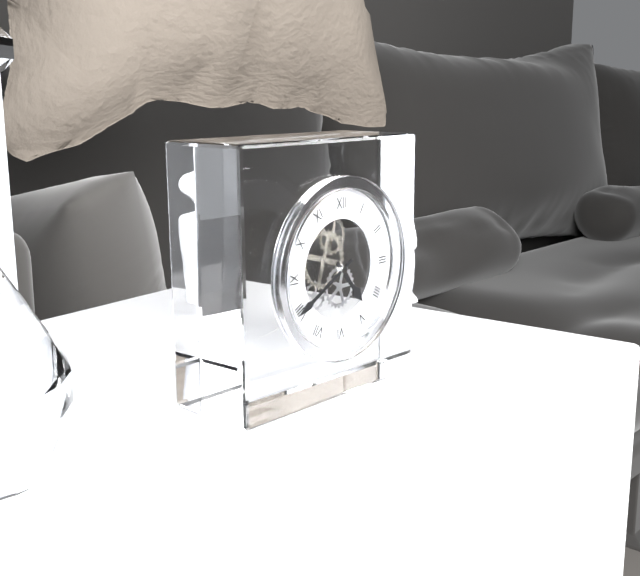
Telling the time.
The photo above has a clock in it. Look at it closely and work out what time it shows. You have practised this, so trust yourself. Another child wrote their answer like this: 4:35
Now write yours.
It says 4:40
